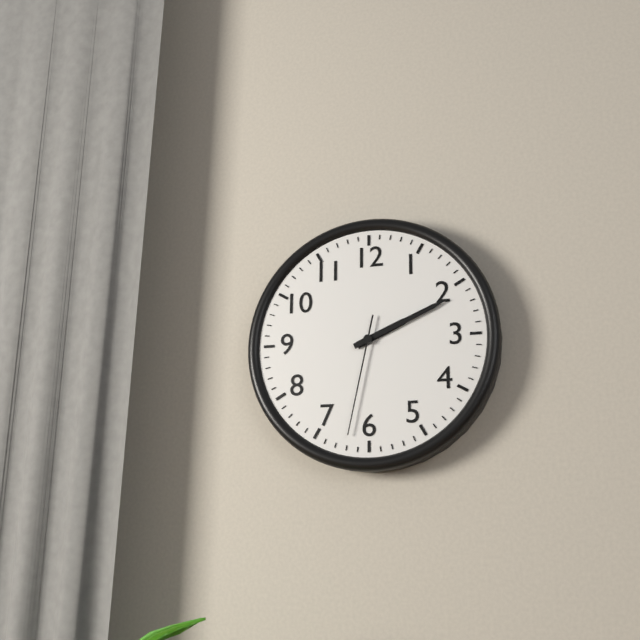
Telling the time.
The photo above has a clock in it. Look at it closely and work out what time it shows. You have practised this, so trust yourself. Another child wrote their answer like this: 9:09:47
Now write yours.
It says 2:11:32
